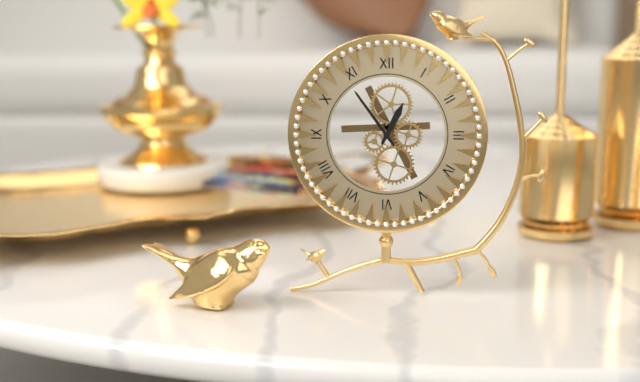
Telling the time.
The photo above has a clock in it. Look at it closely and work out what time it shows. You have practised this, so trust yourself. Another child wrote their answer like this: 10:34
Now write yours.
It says 12:54
